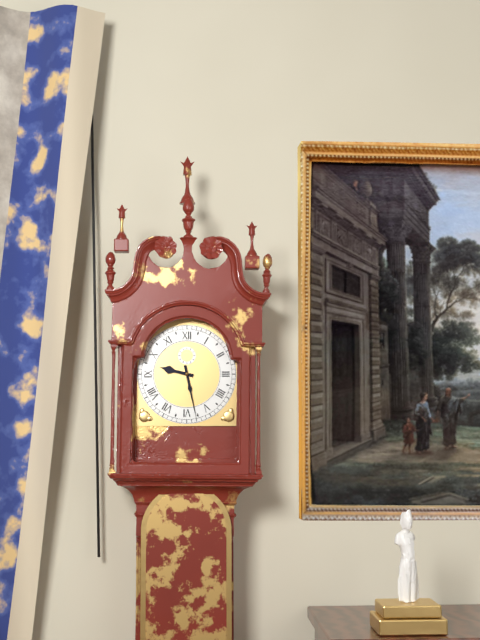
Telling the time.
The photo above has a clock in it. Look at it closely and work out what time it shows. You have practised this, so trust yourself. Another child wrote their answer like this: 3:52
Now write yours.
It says 9:28
